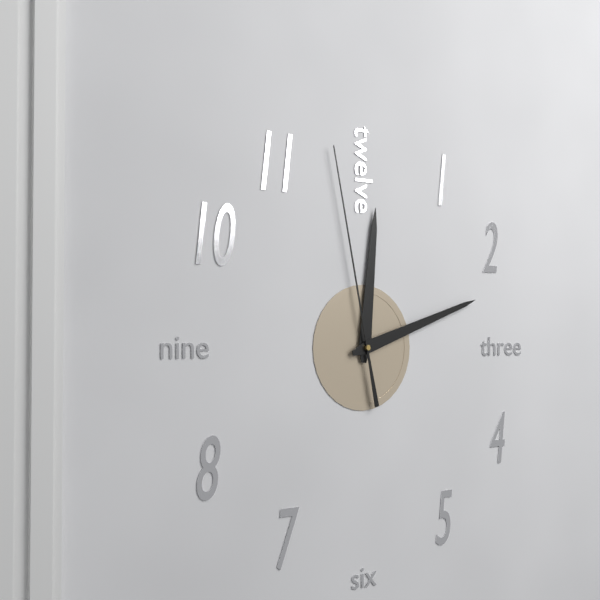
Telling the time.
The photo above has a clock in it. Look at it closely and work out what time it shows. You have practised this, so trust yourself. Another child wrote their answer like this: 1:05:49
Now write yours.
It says 12:12:58
